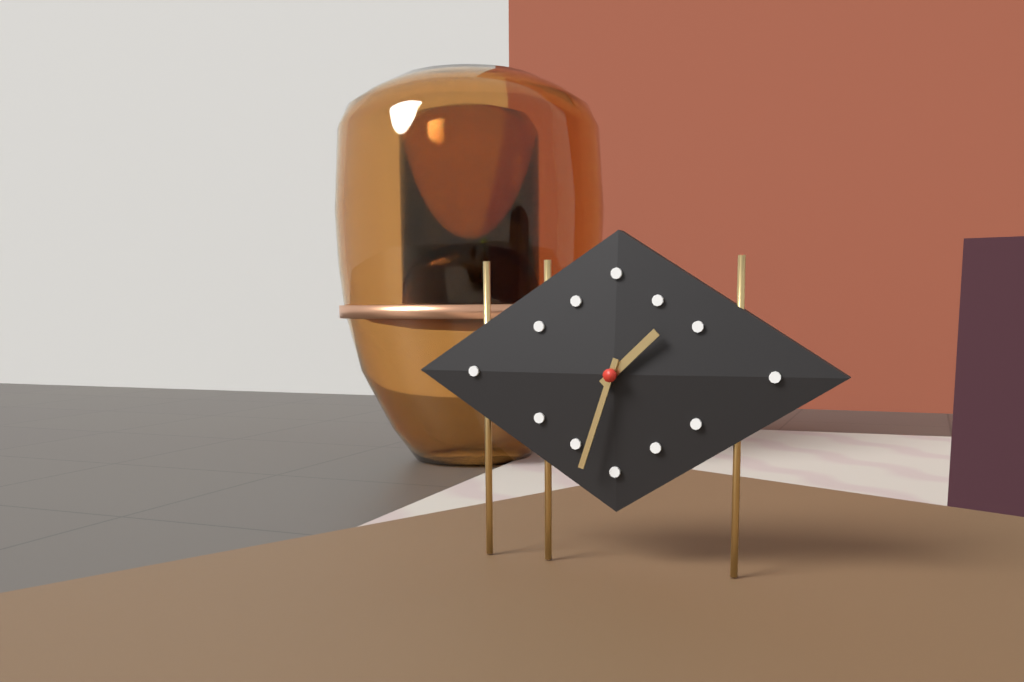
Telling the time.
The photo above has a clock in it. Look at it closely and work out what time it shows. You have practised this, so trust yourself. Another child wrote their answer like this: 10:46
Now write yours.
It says 1:33
